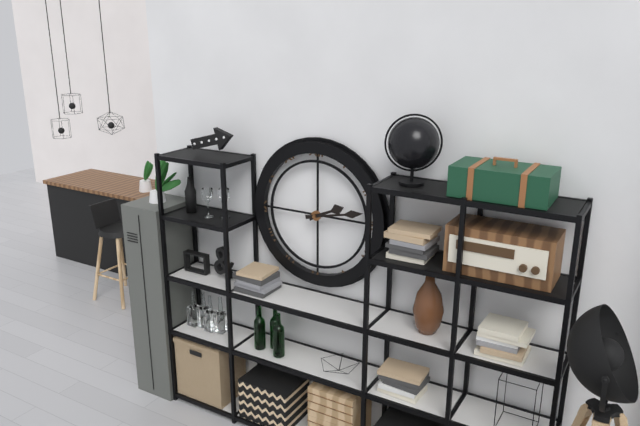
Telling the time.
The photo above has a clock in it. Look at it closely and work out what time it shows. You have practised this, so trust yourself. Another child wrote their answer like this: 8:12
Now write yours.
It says 2:13
